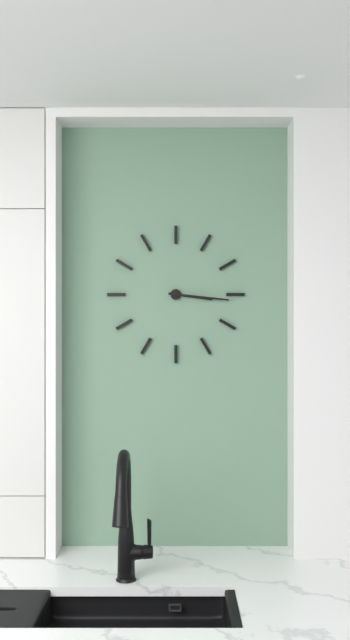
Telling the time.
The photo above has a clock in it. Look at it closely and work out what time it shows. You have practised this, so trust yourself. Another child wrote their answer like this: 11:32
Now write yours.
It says 3:16
